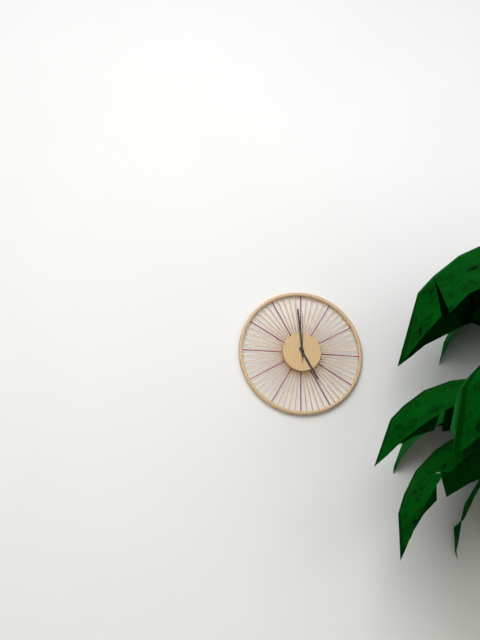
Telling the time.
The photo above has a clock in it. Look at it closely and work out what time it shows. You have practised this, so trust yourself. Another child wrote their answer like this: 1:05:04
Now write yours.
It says 4:59:00
